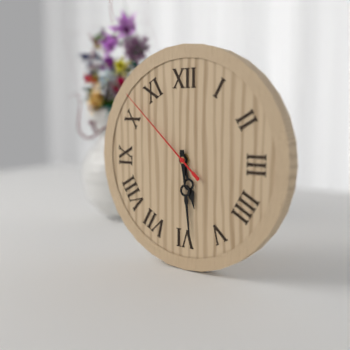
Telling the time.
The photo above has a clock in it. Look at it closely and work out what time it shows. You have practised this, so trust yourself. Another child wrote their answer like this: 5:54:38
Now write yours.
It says 5:29:52
